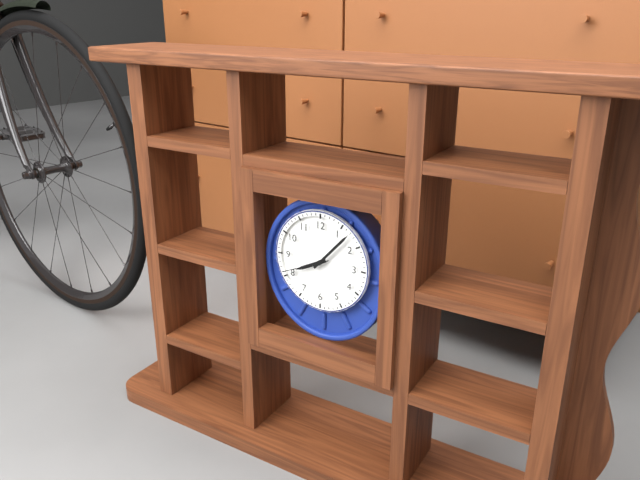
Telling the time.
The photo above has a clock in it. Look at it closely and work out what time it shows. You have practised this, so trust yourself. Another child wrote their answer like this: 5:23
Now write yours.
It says 8:07
